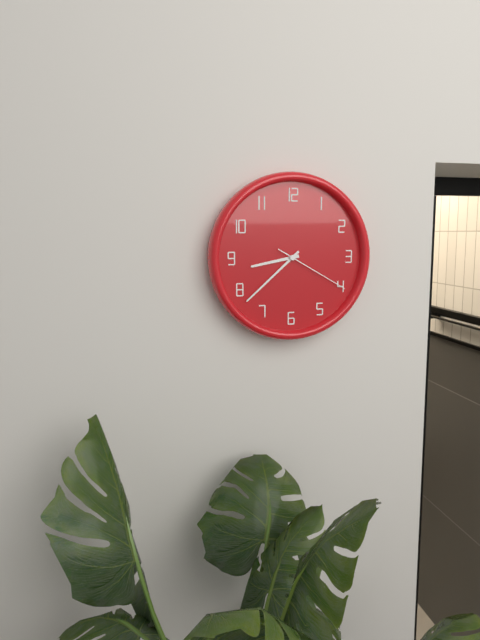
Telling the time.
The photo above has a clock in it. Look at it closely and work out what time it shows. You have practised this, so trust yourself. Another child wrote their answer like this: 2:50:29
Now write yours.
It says 8:38:20
